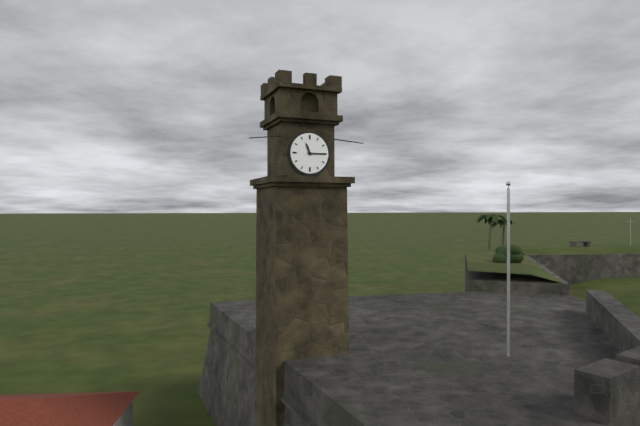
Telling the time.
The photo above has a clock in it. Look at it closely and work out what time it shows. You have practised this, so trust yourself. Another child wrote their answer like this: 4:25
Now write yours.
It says 11:15
